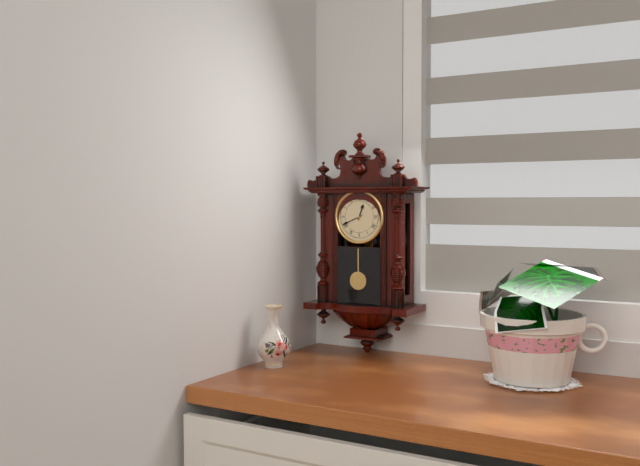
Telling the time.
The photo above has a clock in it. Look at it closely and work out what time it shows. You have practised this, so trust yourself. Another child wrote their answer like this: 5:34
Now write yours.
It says 12:41
